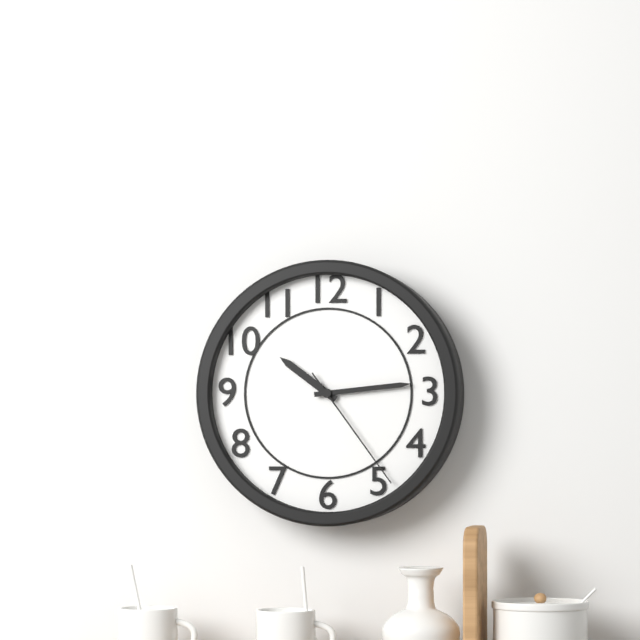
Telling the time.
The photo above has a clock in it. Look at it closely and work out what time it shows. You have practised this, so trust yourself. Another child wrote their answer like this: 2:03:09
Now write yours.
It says 10:14:24
